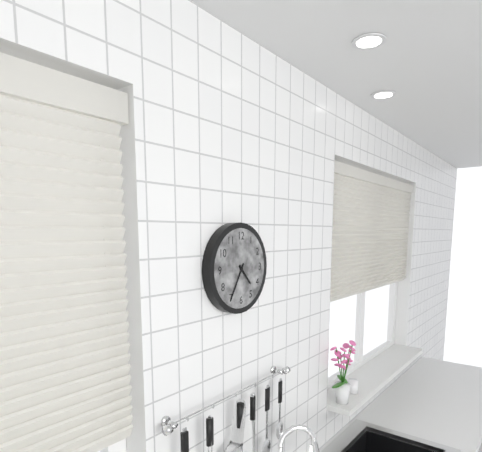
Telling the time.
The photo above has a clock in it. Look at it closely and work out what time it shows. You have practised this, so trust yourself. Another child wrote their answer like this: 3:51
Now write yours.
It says 4:35
